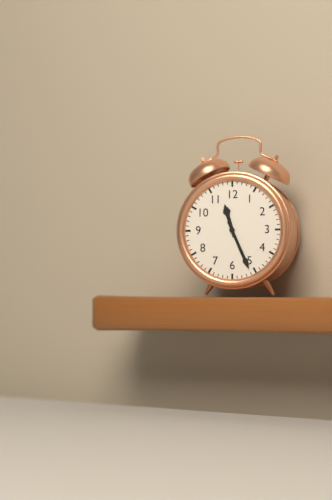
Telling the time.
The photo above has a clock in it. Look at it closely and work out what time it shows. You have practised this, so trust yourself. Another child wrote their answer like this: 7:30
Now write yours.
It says 11:26
